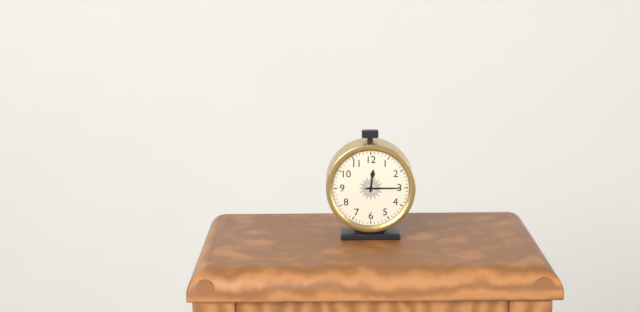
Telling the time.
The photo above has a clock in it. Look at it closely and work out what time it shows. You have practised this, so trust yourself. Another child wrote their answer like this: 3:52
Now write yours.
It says 12:15
